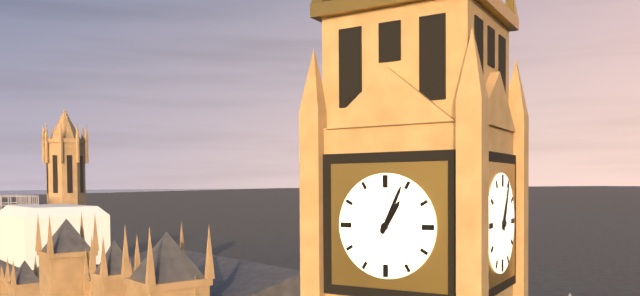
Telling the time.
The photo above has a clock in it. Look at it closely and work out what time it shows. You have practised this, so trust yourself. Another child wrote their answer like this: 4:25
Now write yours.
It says 1:04
